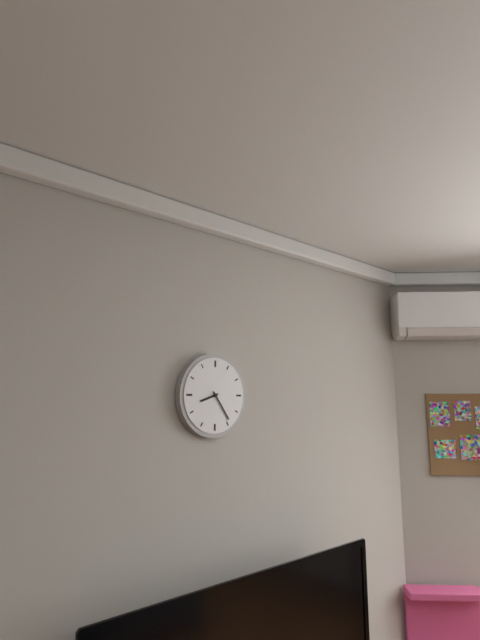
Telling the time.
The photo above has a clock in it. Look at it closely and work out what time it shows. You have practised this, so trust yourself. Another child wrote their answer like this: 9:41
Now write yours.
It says 8:24
